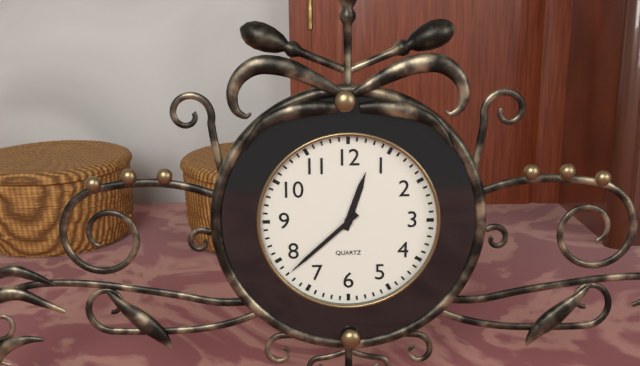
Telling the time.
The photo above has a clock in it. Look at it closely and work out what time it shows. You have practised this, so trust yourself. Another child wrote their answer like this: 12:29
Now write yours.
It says 12:38
